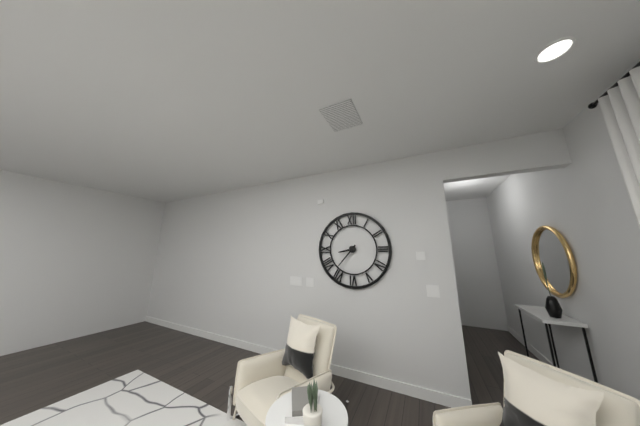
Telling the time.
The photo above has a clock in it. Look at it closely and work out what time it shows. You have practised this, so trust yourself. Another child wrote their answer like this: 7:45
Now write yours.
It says 8:37
